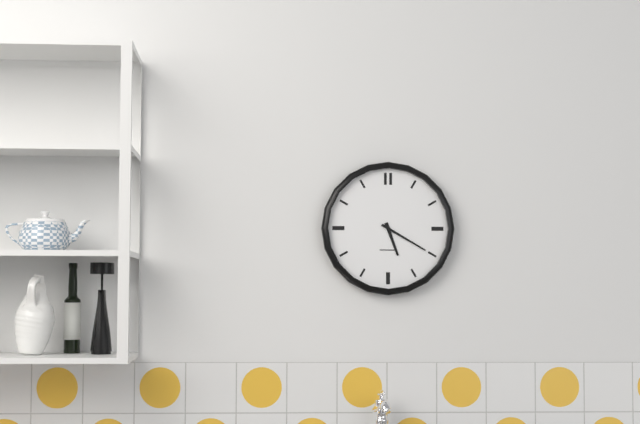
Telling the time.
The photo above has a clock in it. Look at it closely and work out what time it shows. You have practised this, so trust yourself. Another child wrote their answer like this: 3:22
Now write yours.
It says 5:20
